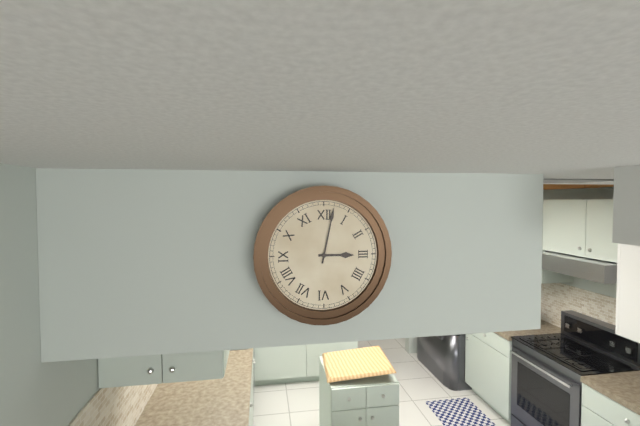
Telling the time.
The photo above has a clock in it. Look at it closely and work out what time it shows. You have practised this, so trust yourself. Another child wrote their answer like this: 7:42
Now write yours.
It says 3:02
